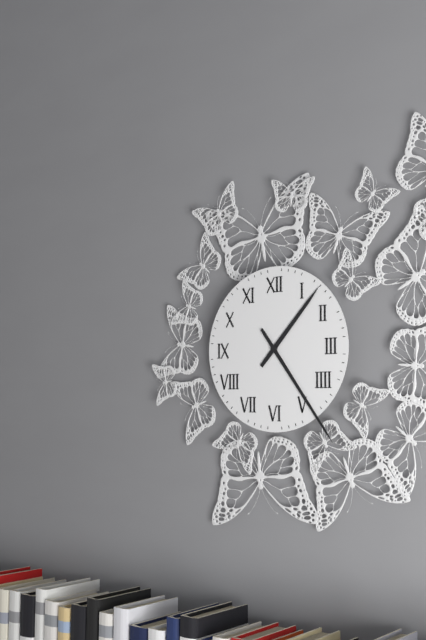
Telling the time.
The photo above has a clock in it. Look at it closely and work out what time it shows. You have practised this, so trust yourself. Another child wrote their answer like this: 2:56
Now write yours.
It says 1:24
